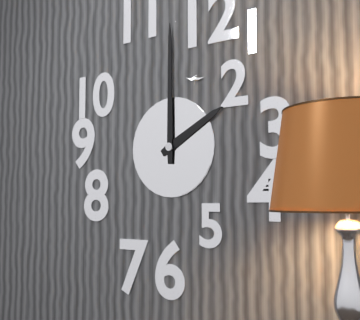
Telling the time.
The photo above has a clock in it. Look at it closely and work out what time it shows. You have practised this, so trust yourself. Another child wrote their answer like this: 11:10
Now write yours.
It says 2:00
